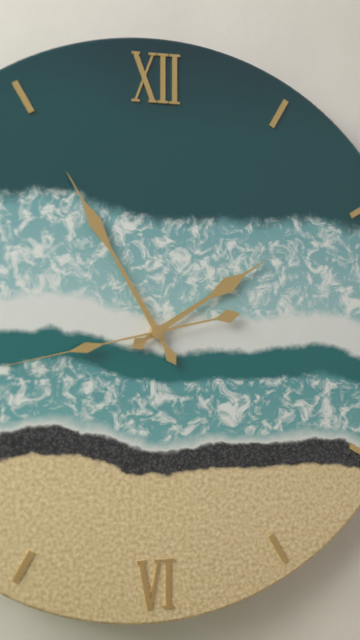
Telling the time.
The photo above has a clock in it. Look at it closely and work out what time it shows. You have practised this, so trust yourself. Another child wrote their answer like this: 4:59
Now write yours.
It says 1:55
